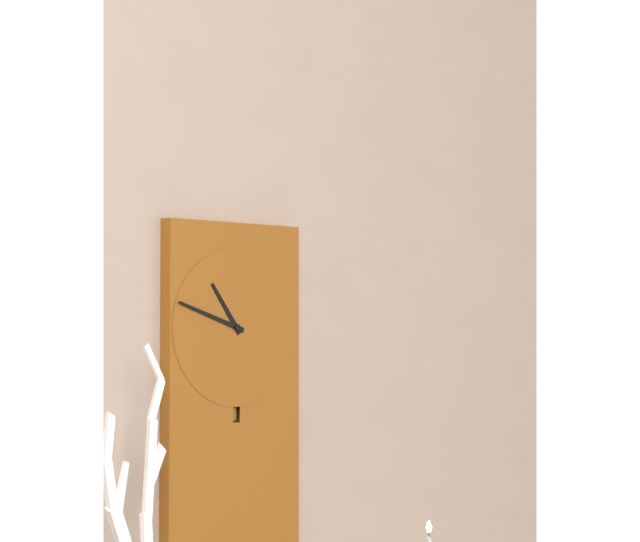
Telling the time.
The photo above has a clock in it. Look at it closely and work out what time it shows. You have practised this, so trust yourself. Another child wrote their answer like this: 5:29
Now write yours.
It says 10:48
